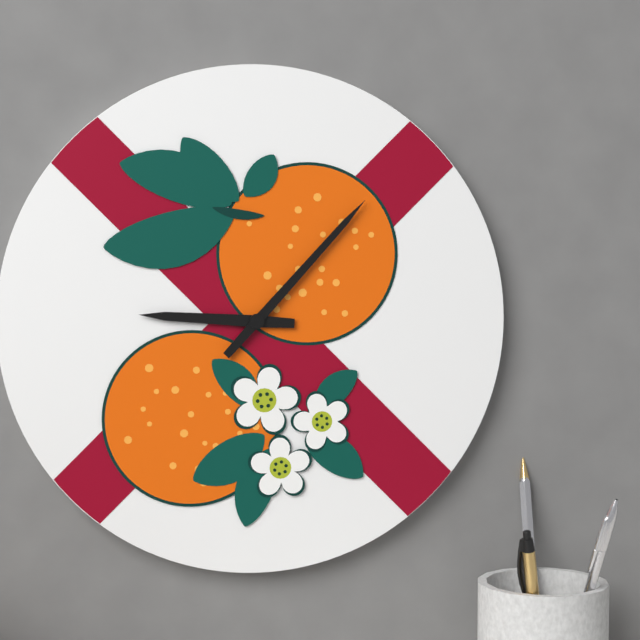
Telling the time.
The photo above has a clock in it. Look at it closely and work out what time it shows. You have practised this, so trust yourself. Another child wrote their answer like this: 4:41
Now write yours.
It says 9:07
